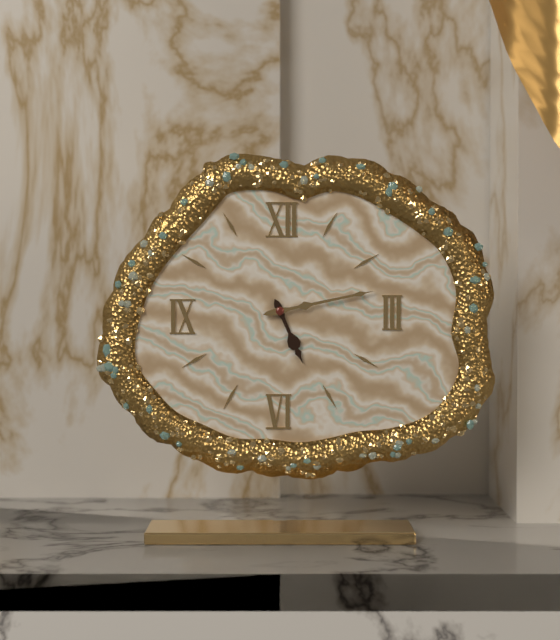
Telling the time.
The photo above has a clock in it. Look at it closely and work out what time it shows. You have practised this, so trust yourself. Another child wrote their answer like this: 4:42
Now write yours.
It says 5:13
